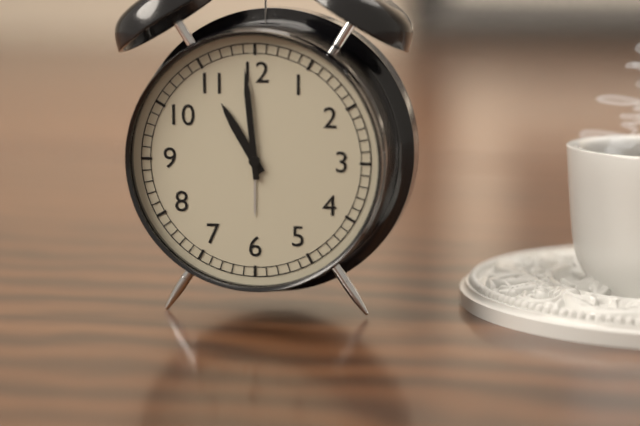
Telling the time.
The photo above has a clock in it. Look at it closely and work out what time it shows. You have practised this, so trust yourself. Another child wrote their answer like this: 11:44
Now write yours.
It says 10:59
